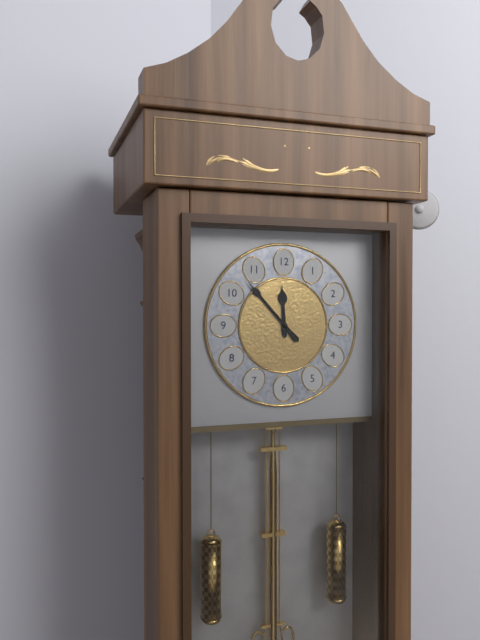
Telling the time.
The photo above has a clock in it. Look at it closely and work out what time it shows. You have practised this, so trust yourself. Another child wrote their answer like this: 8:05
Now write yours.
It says 11:53
